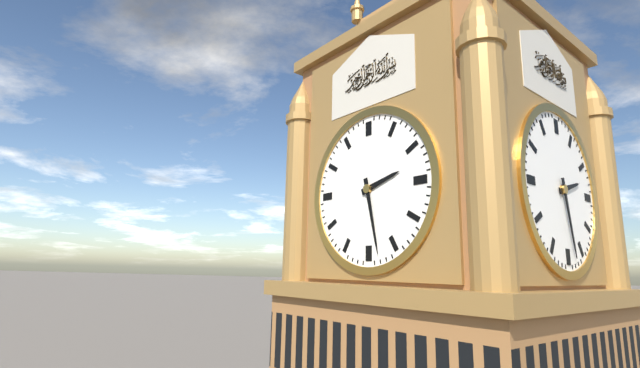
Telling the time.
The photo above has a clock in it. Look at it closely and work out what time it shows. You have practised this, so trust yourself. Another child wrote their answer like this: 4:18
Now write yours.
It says 2:28
